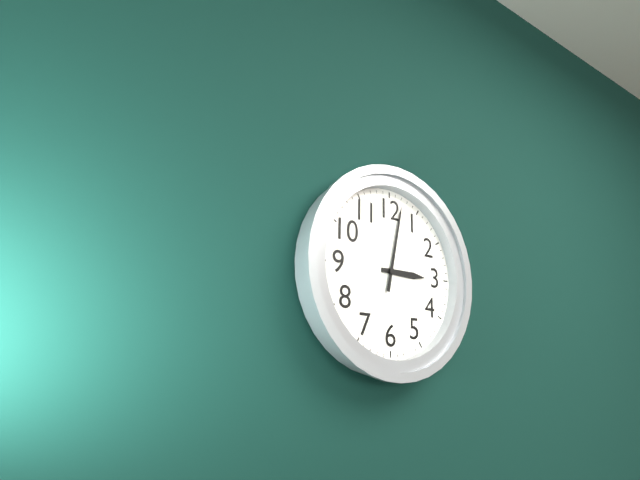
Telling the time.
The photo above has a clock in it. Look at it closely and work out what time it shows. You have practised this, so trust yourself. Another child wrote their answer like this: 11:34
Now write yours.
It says 3:02
